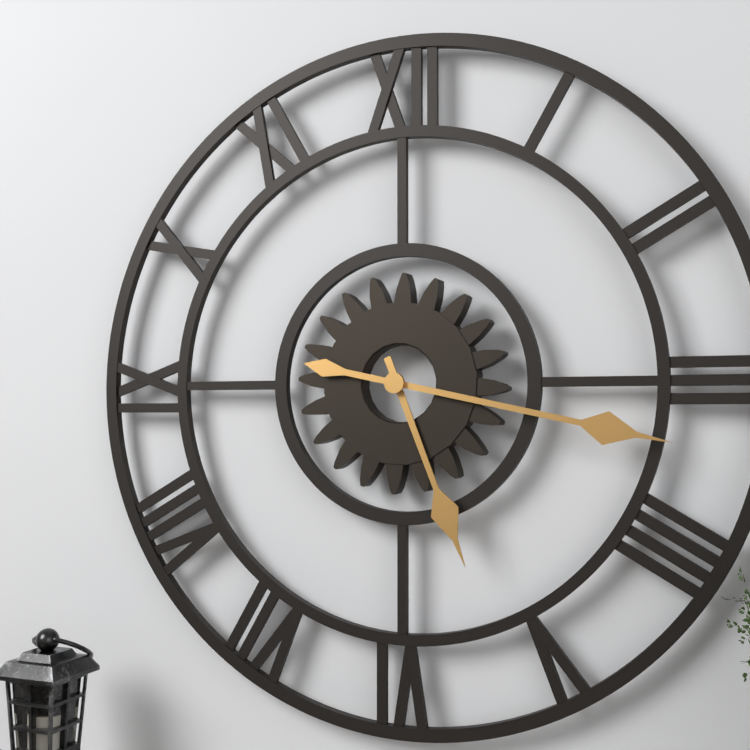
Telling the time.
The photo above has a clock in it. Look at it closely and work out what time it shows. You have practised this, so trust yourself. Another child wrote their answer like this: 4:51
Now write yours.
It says 5:17
